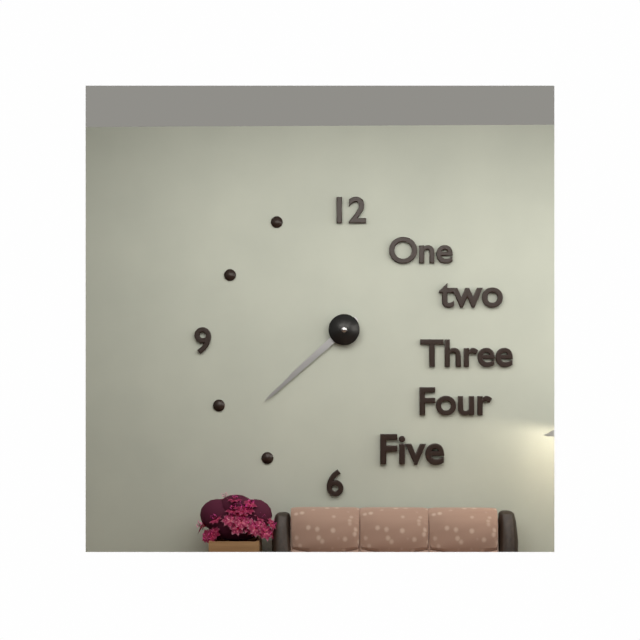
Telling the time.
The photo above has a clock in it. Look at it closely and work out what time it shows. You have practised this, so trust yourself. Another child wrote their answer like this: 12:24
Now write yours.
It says 7:38
